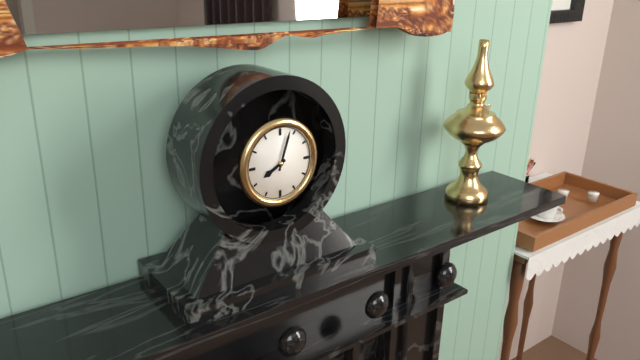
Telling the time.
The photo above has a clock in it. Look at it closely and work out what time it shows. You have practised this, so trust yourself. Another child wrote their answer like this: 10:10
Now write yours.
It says 8:03
